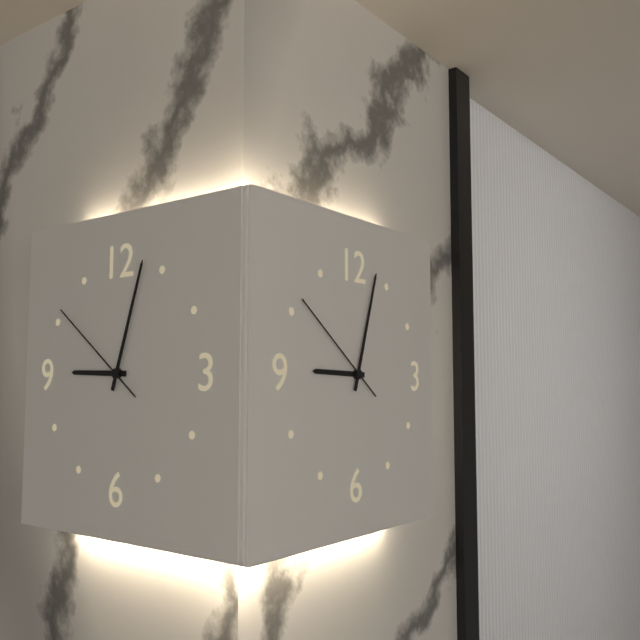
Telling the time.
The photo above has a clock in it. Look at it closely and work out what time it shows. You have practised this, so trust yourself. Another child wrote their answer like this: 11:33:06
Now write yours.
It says 9:03:51
